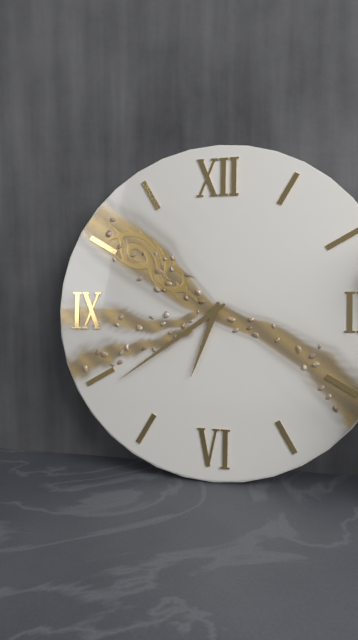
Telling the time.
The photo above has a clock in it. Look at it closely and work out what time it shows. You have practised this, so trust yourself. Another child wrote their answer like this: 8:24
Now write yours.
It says 6:39
